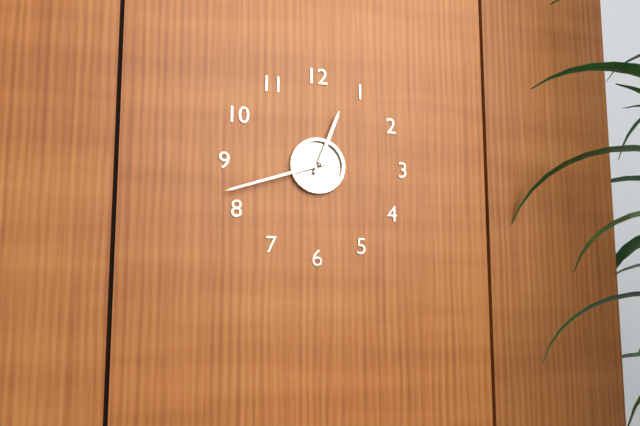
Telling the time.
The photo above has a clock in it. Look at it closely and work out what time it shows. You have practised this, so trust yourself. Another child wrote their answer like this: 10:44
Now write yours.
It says 12:42
